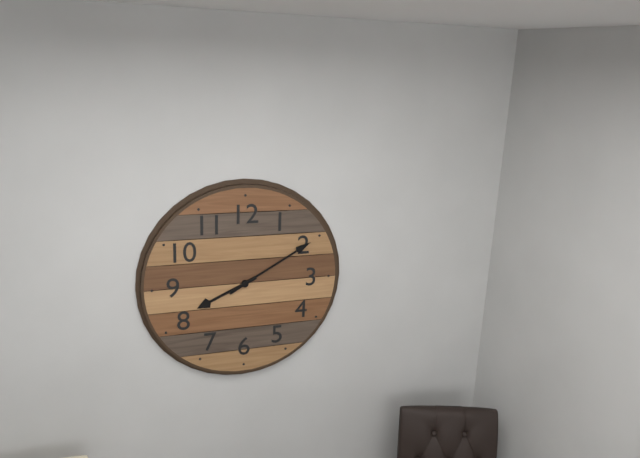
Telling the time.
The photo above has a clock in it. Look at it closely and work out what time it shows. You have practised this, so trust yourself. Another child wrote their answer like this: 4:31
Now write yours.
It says 8:10
